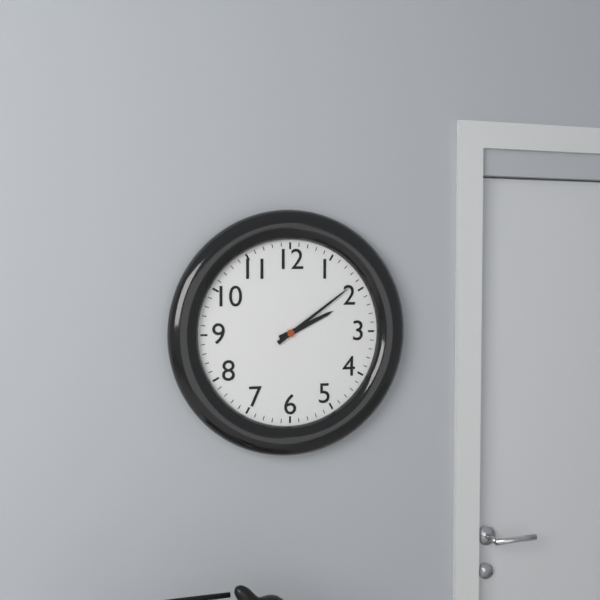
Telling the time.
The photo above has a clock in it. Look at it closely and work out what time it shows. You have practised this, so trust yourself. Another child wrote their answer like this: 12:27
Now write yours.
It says 2:09
